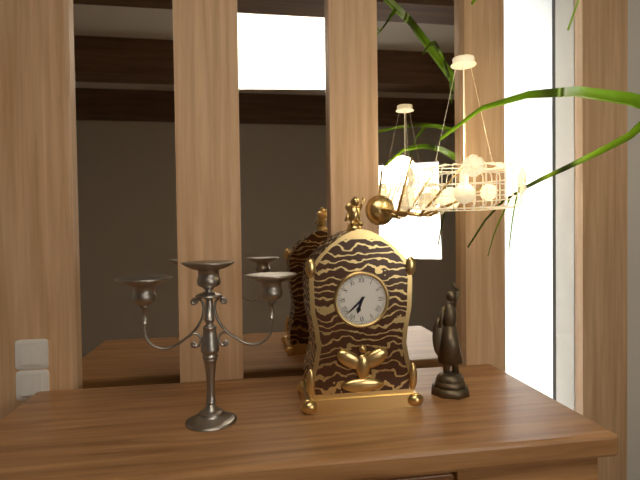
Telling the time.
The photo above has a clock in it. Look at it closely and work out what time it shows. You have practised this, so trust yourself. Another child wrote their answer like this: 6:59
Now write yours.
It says 6:38
